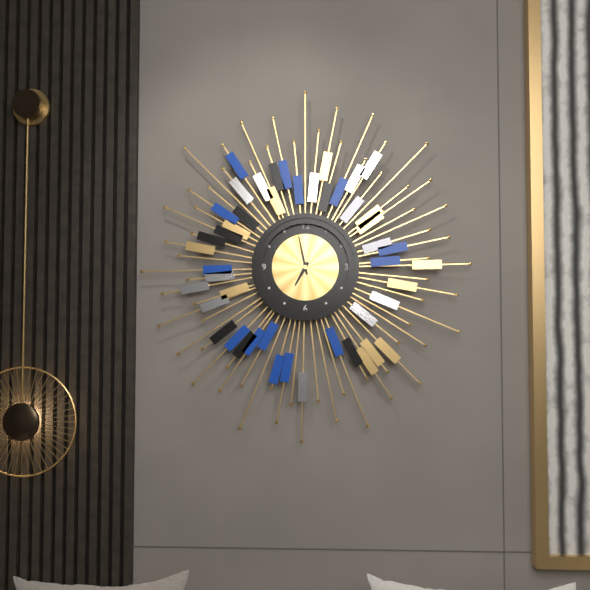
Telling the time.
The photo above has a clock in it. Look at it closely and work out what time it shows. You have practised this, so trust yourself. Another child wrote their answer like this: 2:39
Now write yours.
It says 6:58
